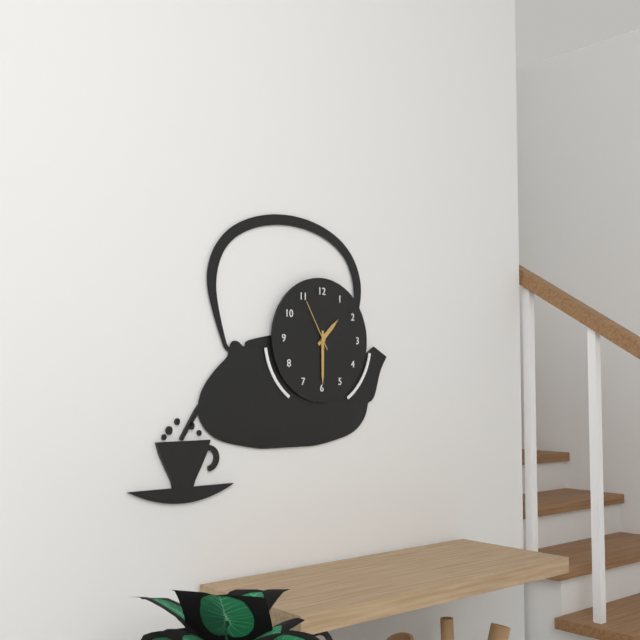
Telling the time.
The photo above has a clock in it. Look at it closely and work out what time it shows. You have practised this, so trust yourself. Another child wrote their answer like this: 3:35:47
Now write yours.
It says 1:30:55
